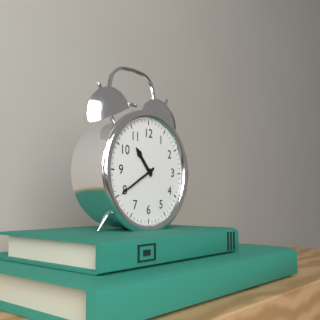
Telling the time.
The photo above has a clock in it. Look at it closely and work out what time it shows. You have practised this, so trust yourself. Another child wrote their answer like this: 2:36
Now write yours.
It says 10:40
